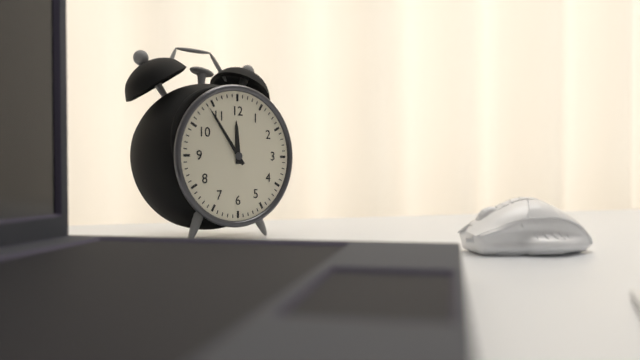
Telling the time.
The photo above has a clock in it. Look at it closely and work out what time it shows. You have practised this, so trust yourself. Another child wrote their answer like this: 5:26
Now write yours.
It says 11:54
